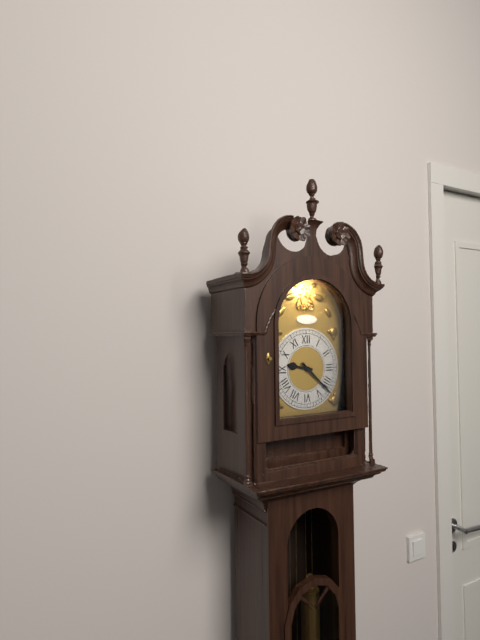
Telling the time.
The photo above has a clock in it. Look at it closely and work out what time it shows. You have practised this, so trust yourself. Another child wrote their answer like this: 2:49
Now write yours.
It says 9:22
